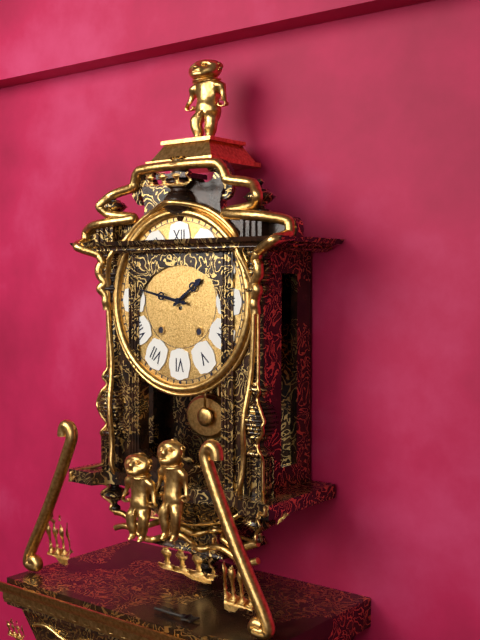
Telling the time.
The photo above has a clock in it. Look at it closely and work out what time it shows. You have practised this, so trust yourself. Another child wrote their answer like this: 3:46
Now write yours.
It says 1:47
